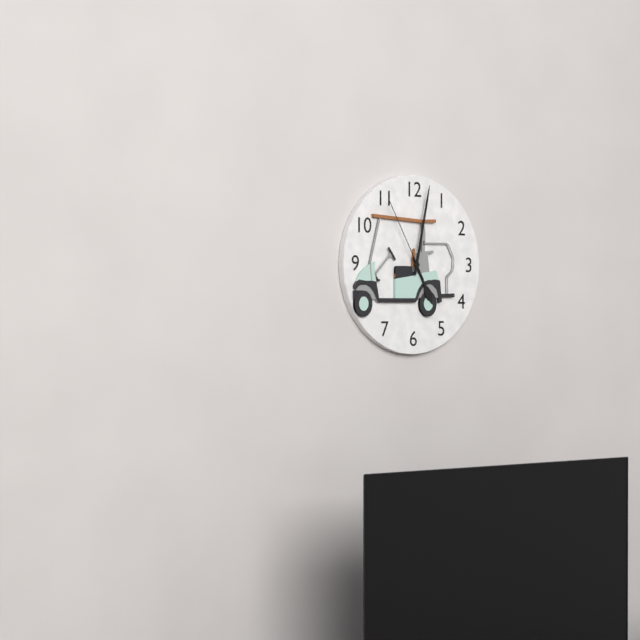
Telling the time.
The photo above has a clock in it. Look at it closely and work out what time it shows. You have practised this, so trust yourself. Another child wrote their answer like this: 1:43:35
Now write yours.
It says 5:02:55
